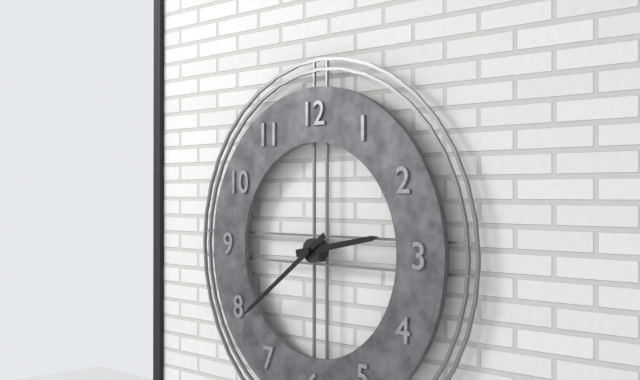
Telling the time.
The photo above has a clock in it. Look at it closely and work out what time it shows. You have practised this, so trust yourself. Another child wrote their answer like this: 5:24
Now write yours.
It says 2:39
